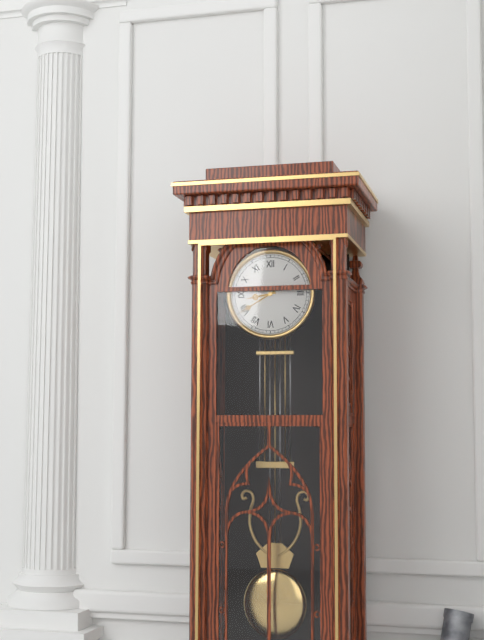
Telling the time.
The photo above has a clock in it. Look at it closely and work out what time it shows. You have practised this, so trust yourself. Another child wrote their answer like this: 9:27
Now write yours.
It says 8:40
